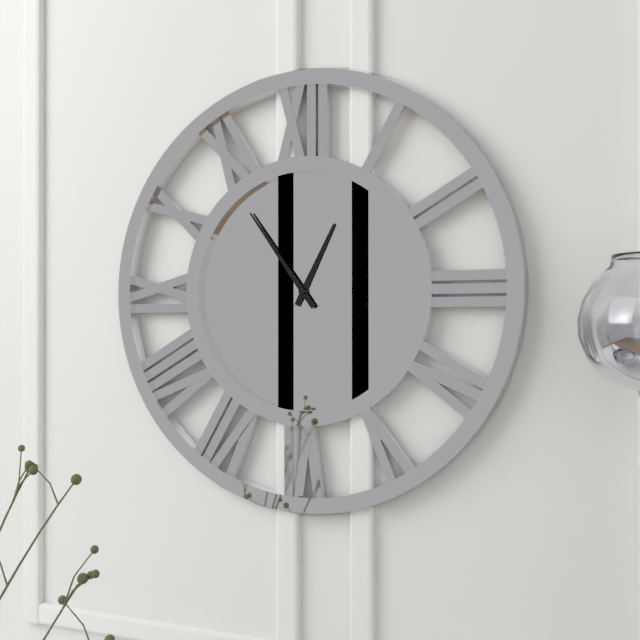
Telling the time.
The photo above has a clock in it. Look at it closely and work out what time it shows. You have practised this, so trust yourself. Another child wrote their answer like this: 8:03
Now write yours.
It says 12:54
